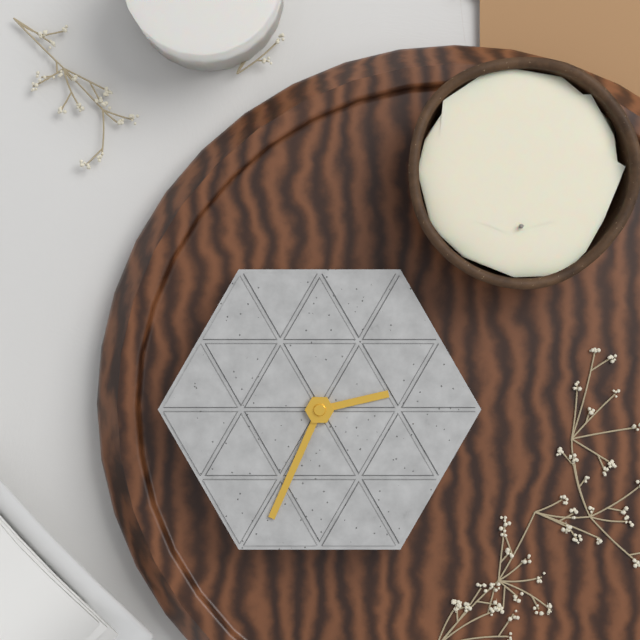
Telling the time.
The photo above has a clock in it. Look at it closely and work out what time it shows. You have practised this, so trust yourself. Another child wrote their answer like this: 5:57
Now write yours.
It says 2:34
